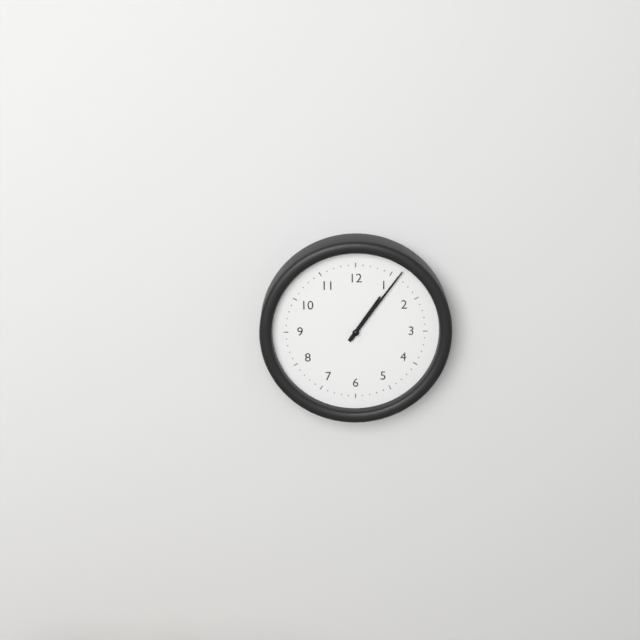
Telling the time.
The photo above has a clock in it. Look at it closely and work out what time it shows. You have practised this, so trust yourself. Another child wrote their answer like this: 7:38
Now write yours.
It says 1:06
